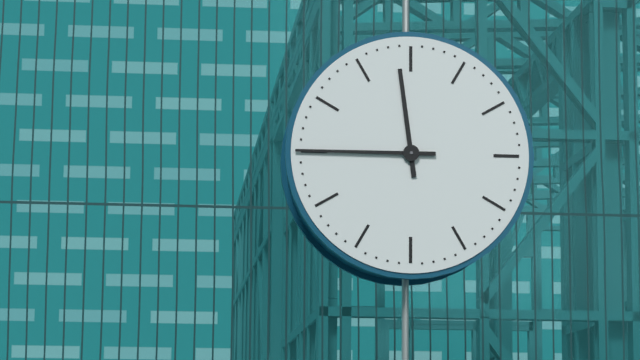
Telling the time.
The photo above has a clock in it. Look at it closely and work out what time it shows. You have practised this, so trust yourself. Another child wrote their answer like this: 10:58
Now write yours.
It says 11:45
